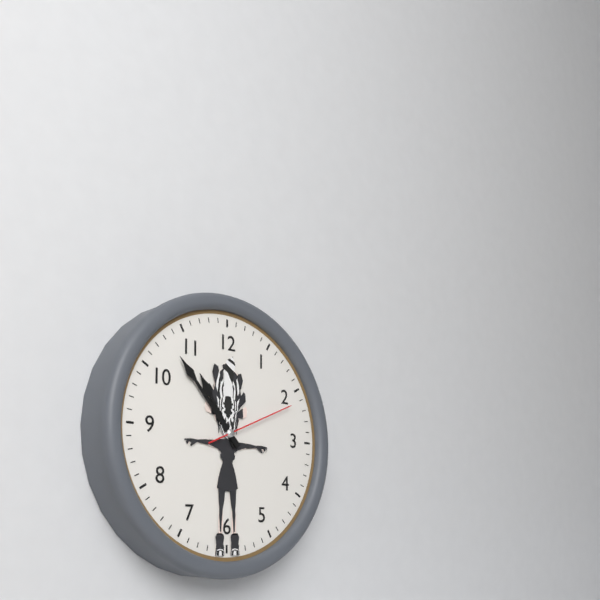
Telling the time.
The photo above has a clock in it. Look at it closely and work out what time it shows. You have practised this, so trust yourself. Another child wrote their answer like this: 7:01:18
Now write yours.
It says 10:53:11
